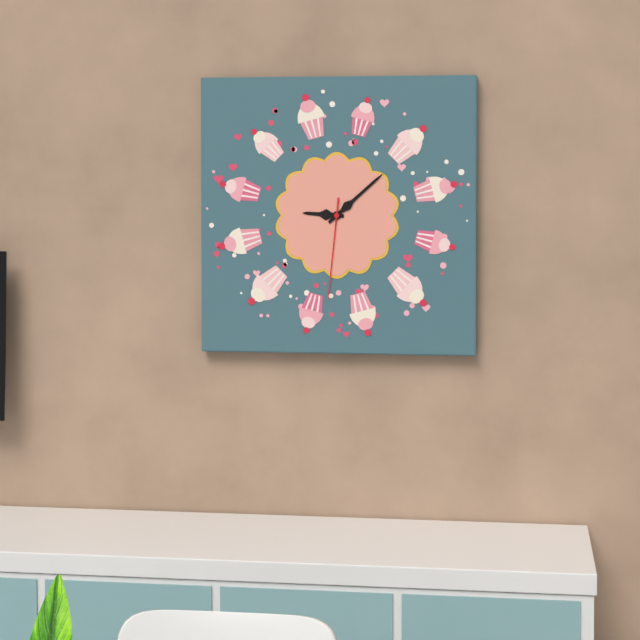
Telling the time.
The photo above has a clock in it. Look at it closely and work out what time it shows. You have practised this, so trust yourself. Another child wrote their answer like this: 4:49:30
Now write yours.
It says 9:08:31
